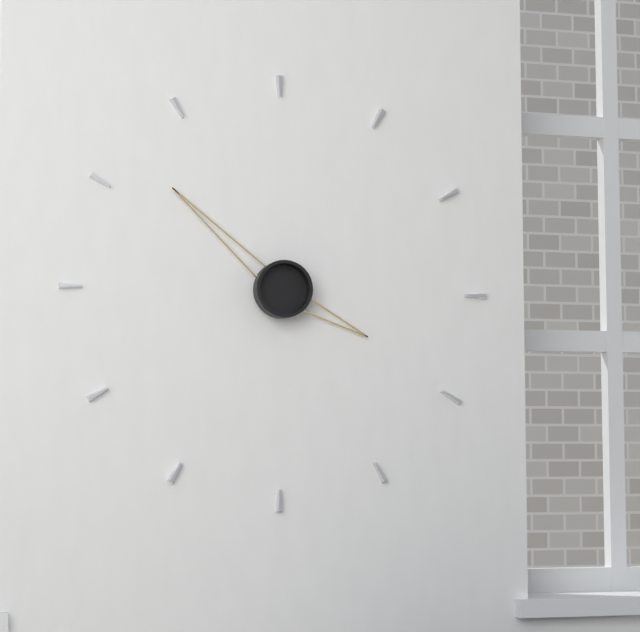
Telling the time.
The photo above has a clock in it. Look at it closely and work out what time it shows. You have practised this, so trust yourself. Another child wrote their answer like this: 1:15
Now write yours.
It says 3:52
